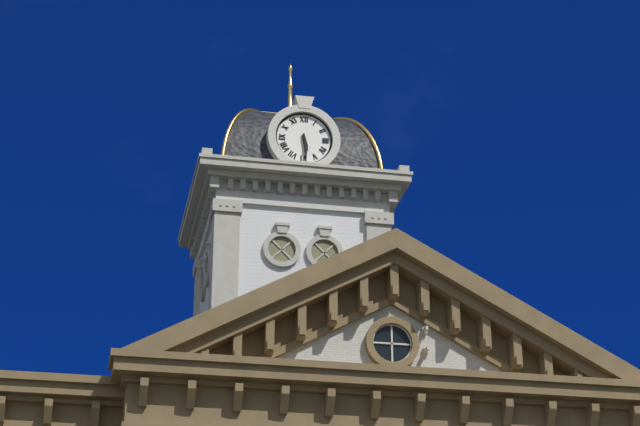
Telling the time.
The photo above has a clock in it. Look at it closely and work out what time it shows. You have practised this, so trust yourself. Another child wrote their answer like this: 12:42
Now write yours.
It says 5:29
